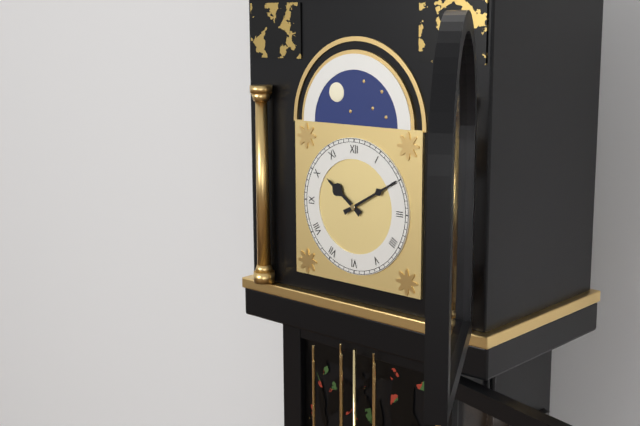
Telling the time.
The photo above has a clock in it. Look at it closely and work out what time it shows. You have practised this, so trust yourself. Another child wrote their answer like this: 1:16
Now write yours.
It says 10:10
